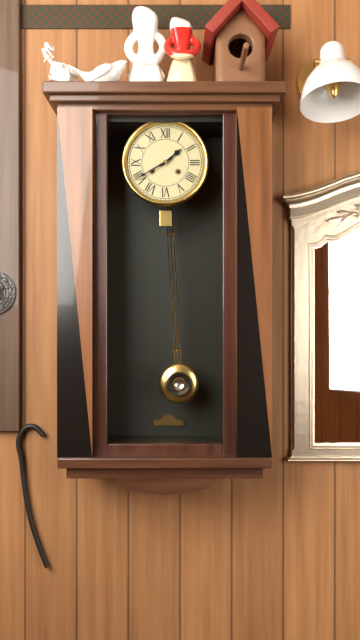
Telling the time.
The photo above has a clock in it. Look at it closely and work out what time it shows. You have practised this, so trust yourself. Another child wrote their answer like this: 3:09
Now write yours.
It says 1:40
